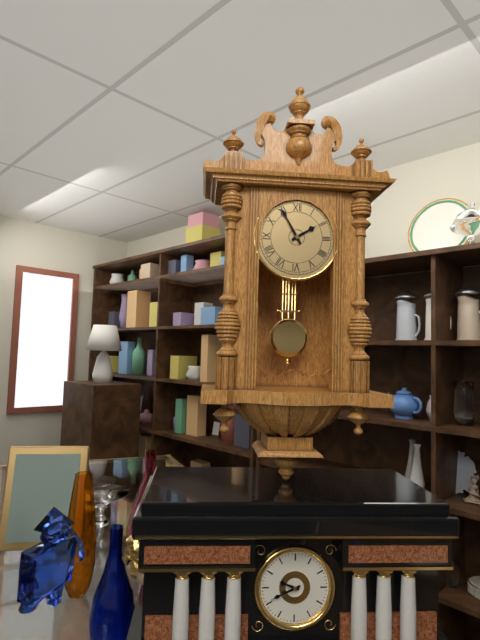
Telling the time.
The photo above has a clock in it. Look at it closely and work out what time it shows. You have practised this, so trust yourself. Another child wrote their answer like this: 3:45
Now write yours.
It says 1:55
